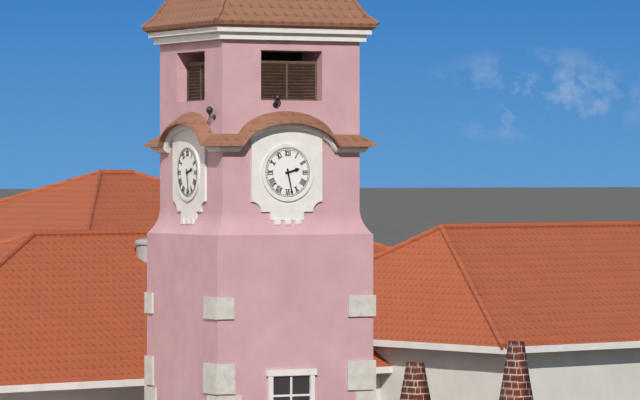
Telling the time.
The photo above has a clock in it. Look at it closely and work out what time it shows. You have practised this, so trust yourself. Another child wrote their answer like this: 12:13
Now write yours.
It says 2:28
